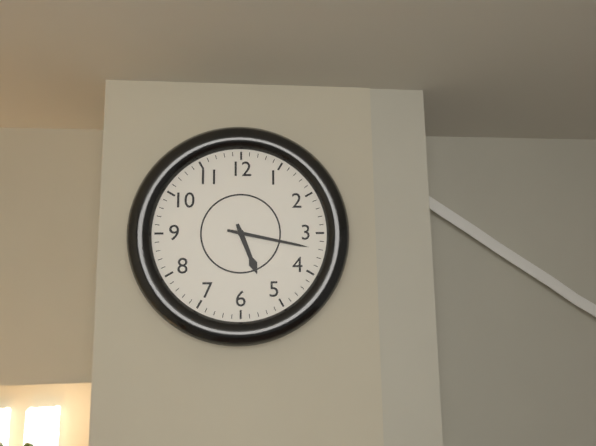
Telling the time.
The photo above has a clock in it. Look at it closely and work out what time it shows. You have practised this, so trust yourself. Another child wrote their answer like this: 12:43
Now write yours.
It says 5:17
